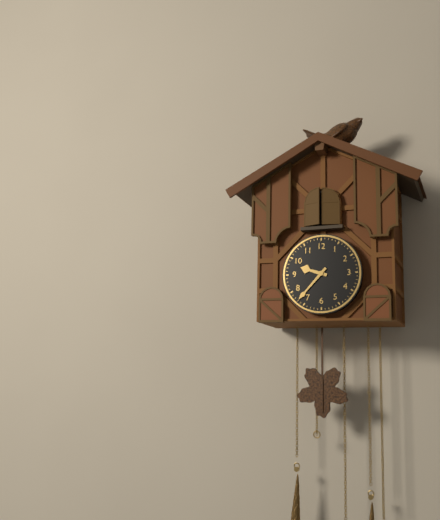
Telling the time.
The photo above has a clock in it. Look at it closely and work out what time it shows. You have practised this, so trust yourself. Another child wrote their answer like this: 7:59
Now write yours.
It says 9:37
